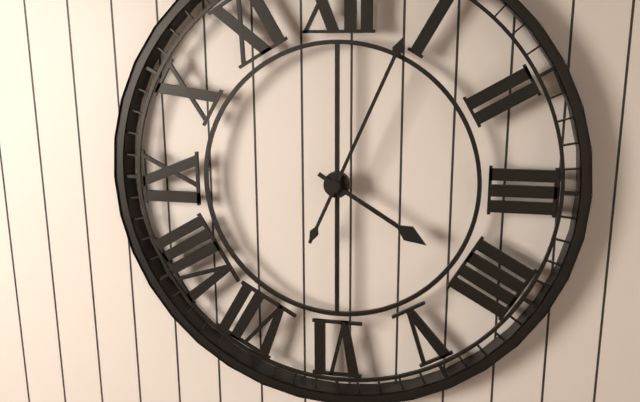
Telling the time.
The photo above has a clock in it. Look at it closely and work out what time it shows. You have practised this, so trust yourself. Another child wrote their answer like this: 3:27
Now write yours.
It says 4:04
